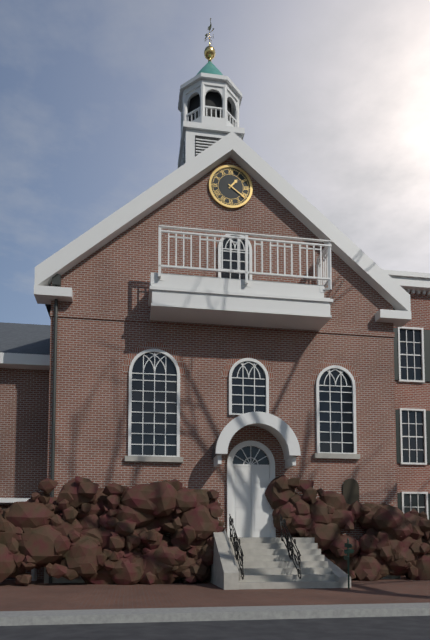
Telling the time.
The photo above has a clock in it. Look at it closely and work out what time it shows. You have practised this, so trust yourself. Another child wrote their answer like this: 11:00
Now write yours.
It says 1:21
